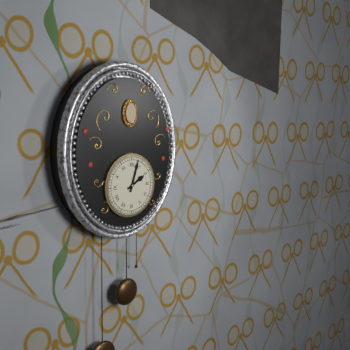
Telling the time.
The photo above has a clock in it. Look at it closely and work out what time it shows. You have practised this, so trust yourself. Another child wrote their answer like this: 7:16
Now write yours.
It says 2:03
